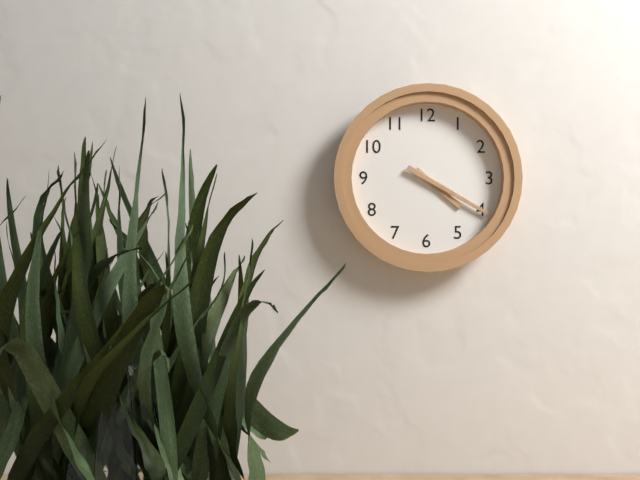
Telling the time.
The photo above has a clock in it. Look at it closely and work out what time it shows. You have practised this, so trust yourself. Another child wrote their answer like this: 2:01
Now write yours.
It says 4:20
